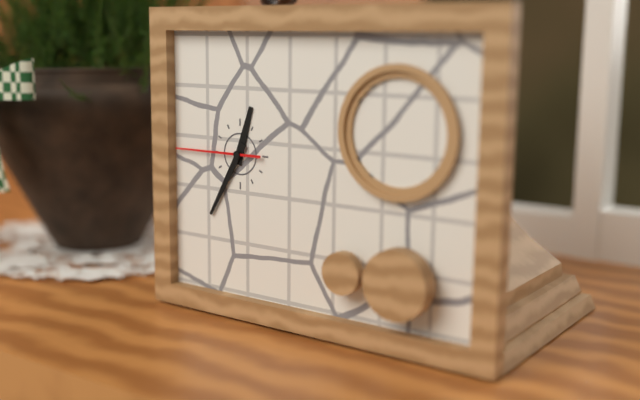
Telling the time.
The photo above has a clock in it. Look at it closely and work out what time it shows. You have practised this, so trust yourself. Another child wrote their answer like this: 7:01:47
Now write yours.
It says 12:35:45
